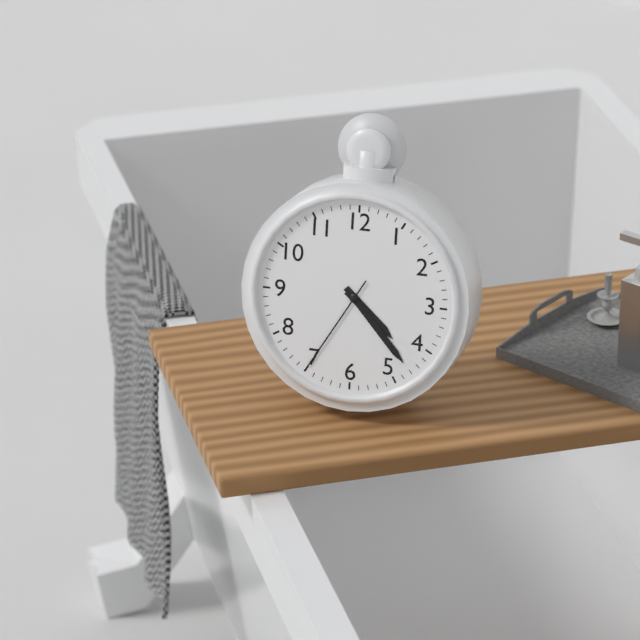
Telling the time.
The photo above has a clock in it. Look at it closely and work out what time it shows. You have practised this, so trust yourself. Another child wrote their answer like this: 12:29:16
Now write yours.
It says 4:23:35
